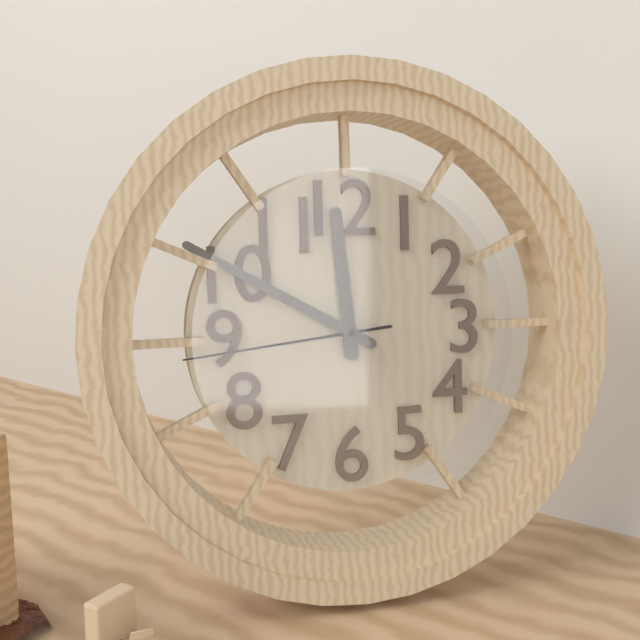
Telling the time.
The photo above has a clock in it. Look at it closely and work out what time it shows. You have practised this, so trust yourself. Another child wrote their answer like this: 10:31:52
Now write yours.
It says 11:50:44
